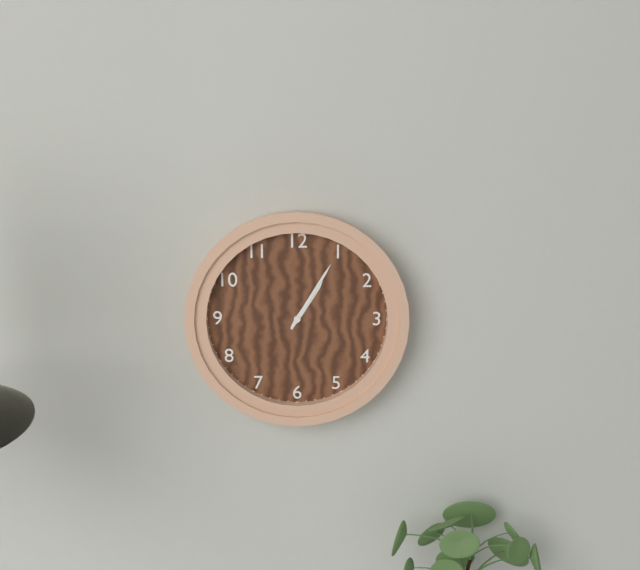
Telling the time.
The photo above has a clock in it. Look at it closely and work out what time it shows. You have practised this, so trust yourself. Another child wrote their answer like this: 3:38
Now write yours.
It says 1:05
